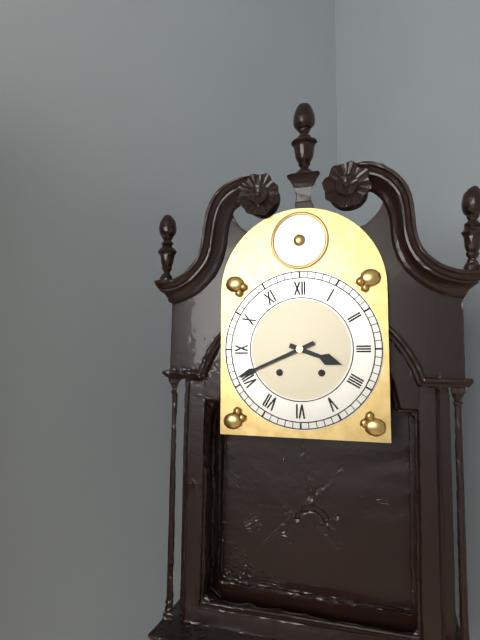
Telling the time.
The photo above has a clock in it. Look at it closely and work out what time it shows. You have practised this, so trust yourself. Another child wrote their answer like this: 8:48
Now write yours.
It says 3:41
